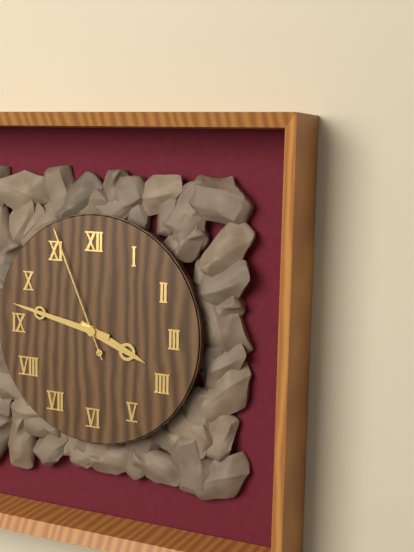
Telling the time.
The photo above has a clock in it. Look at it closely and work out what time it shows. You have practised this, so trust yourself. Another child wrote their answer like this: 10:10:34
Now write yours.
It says 3:47:56
